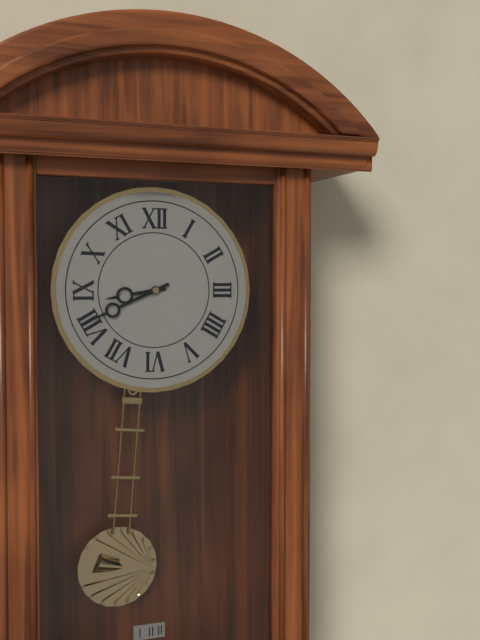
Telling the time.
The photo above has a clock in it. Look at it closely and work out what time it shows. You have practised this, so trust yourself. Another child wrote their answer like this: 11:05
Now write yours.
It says 8:41
